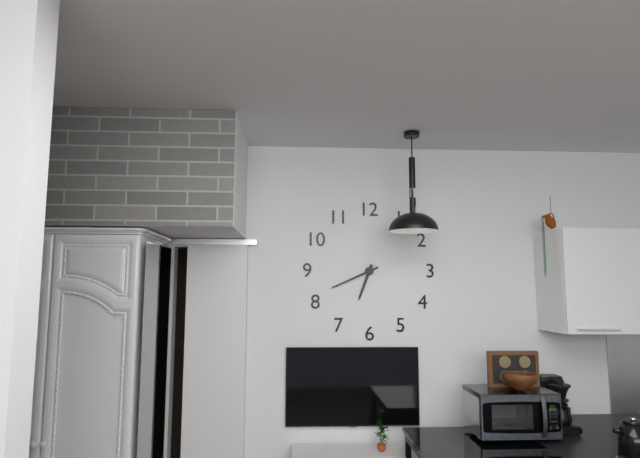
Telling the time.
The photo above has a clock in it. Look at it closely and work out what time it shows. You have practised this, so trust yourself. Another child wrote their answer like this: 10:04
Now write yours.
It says 6:41
